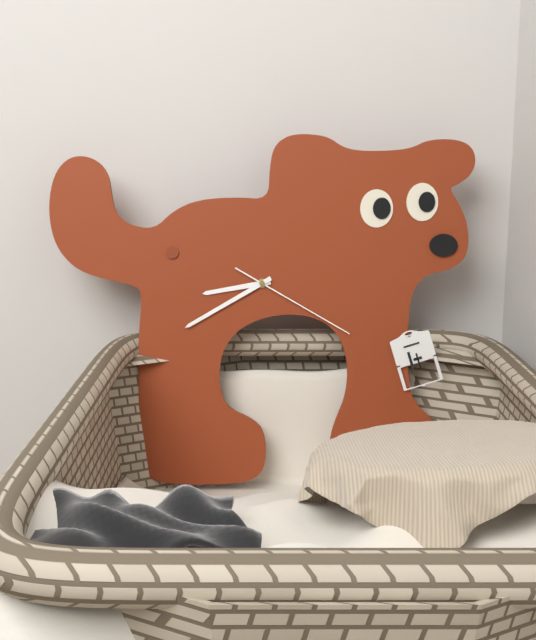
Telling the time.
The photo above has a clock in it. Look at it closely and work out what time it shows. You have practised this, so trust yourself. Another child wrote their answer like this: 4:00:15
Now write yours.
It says 8:40:20
